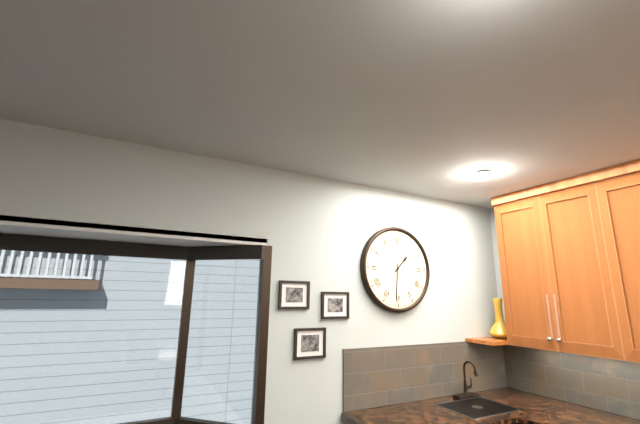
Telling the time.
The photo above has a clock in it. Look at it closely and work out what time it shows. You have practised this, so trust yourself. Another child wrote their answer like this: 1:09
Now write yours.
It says 1:31
